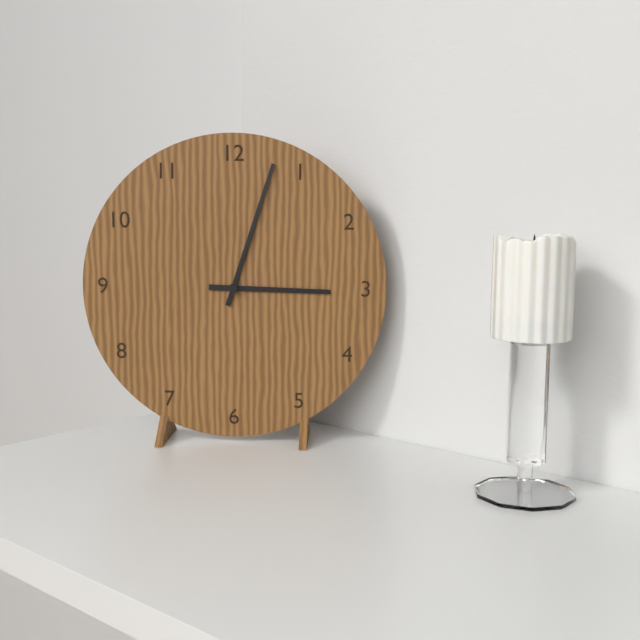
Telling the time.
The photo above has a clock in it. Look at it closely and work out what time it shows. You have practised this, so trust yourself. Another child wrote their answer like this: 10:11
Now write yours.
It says 3:03
